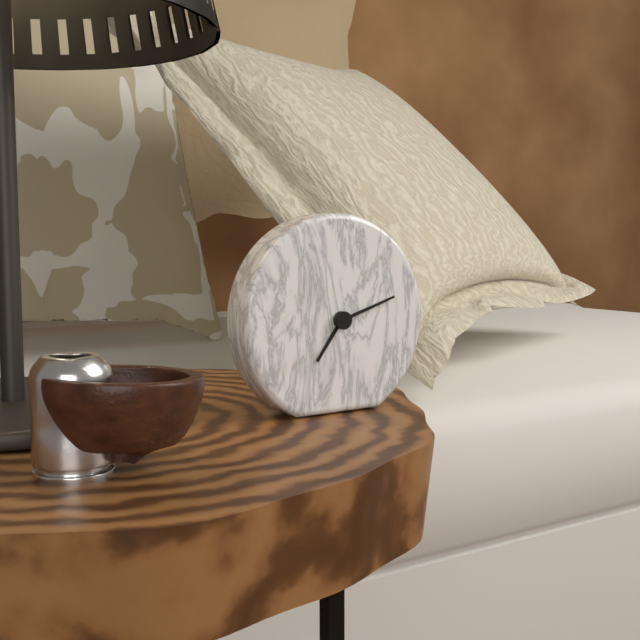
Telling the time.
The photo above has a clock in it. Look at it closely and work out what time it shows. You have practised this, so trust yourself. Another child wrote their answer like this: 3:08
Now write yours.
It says 7:12
